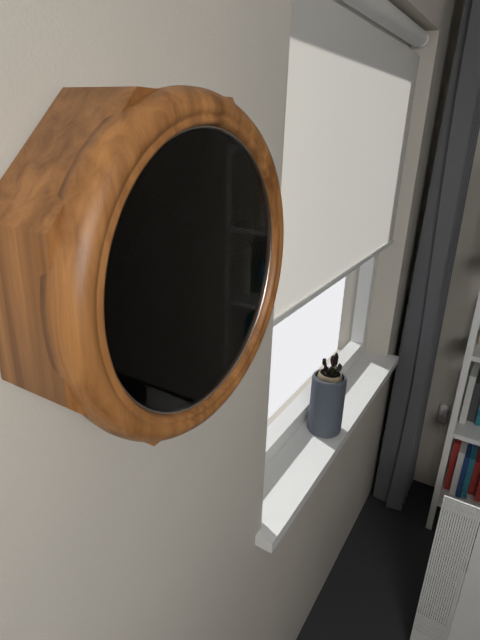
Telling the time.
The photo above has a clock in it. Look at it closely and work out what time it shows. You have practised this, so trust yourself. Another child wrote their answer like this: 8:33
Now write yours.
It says 4:37
